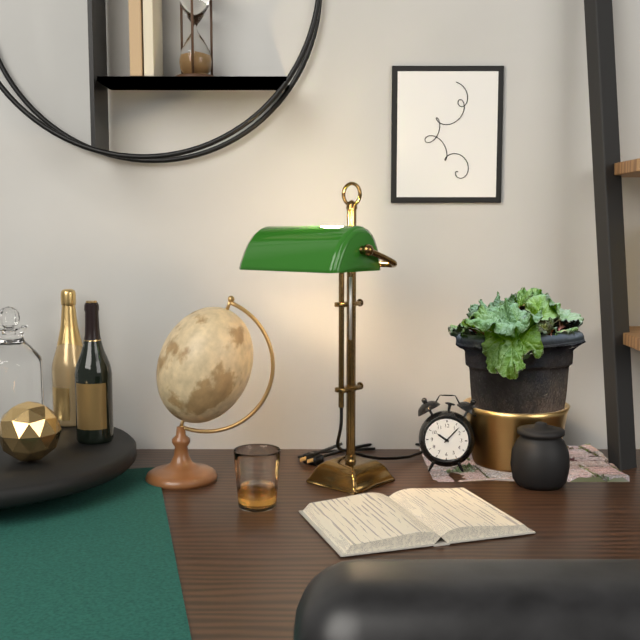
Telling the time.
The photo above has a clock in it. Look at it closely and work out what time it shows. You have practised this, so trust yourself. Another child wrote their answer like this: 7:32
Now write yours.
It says 10:07
